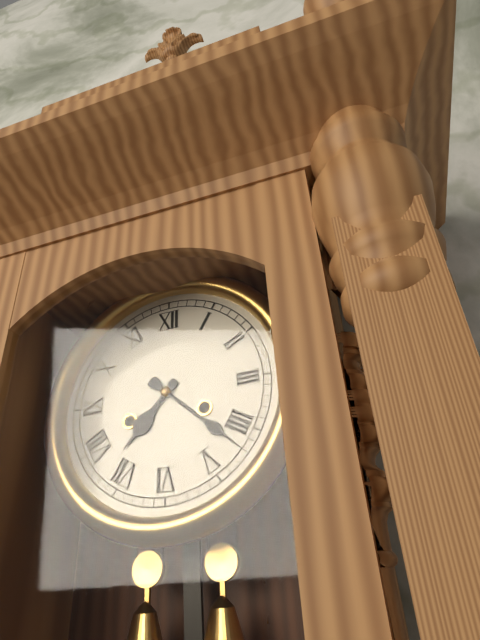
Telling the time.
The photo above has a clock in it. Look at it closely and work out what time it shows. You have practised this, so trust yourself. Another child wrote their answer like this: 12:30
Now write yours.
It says 7:22
